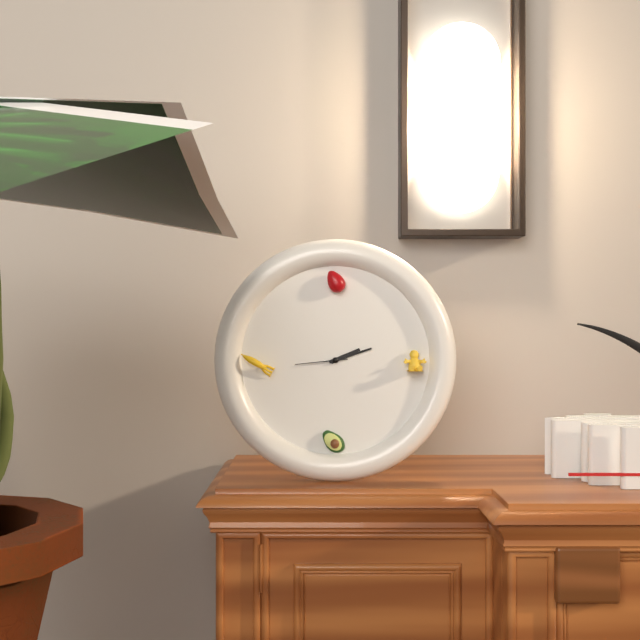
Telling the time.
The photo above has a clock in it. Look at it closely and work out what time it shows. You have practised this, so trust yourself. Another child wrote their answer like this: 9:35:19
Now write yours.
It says 2:12:44
